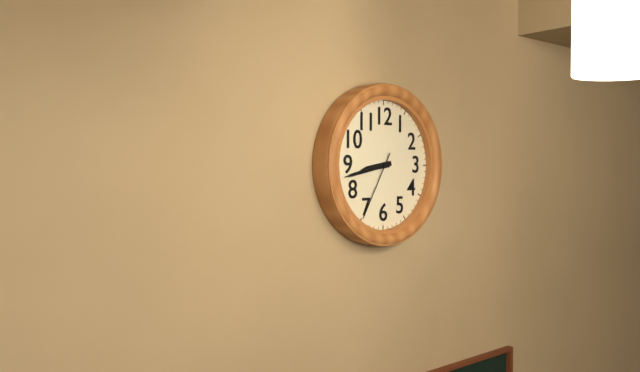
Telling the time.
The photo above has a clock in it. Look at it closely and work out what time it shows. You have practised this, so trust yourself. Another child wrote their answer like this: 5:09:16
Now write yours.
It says 8:43:35
